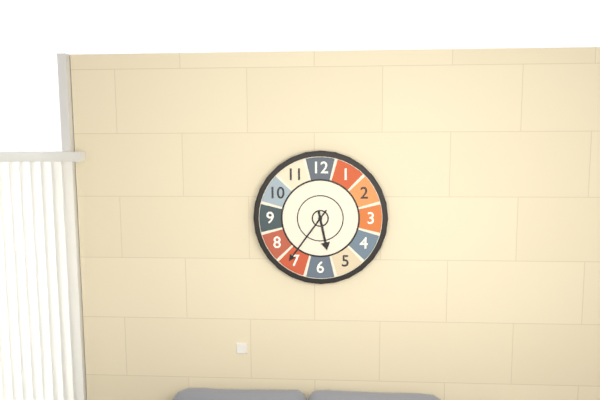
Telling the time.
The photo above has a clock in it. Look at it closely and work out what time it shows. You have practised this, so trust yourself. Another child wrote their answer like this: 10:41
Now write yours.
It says 5:36
